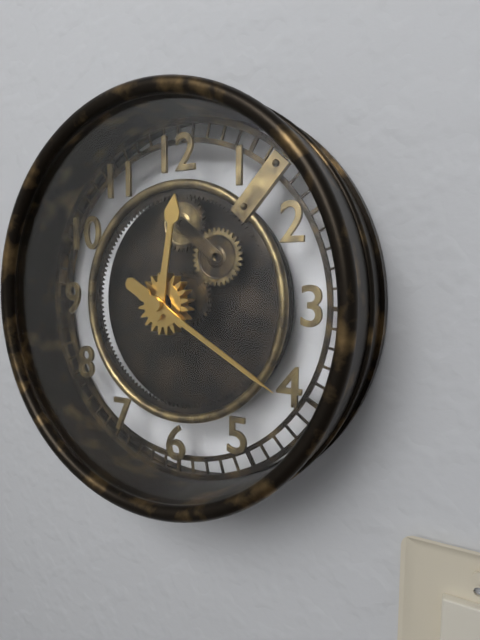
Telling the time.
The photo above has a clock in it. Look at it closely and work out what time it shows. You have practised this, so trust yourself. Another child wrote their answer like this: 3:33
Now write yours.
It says 12:20
